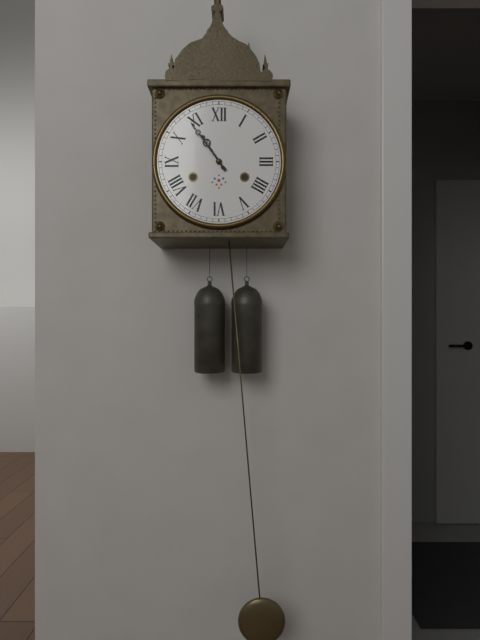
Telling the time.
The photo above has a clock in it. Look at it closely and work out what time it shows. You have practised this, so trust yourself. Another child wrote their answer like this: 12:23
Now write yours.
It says 10:54
